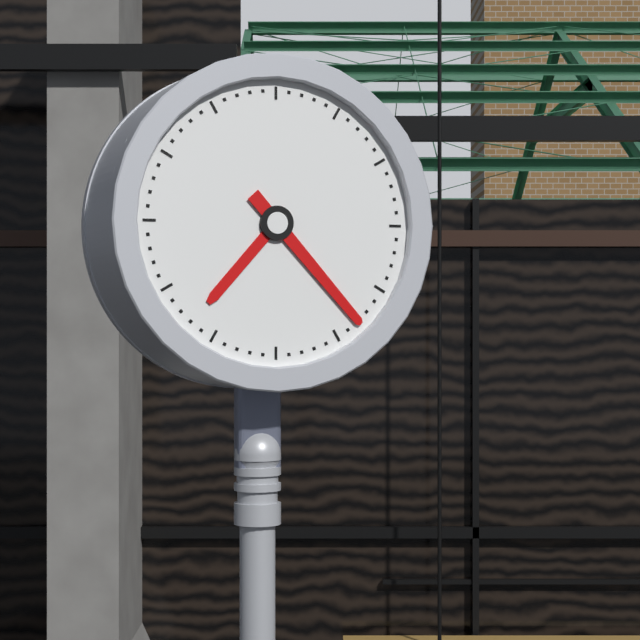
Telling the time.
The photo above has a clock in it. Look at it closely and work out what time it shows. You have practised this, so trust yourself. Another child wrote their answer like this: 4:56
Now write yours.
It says 7:23
